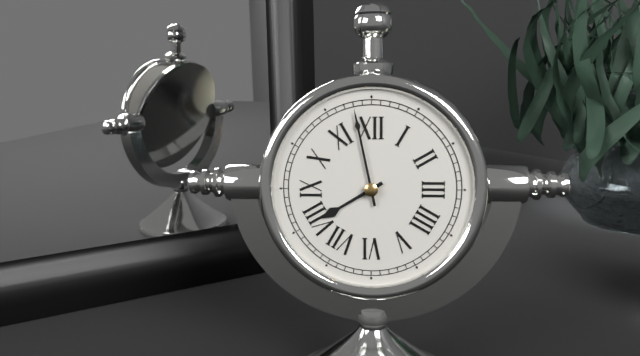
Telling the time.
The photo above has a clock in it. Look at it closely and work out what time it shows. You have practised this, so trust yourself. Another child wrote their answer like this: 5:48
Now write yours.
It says 7:58
